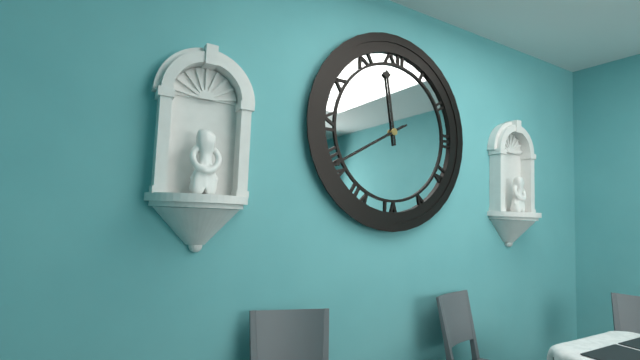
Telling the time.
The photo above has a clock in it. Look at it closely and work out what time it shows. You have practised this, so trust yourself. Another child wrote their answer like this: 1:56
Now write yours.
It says 11:40
